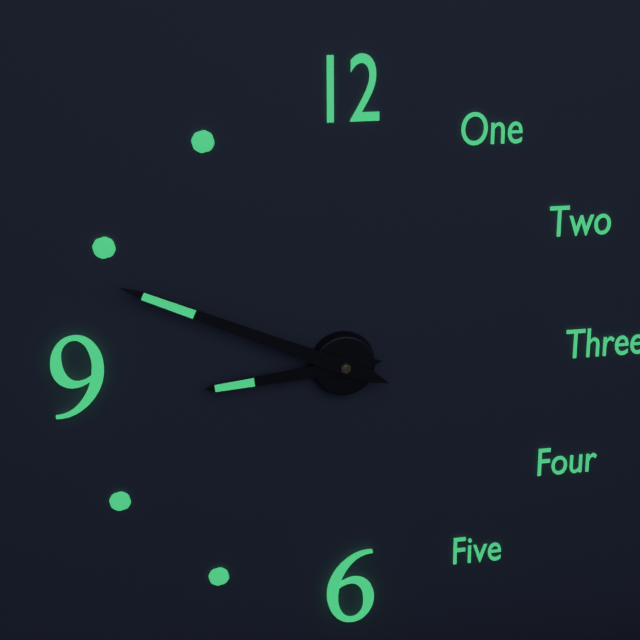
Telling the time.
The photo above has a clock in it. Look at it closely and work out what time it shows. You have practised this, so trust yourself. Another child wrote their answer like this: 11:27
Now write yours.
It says 8:49
